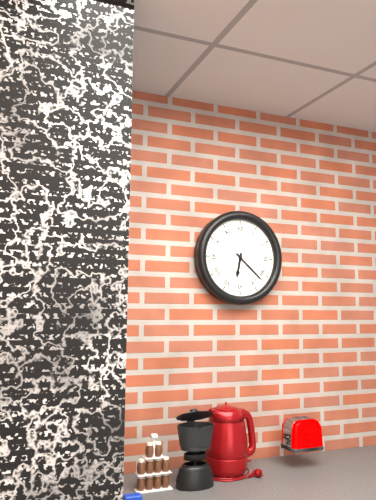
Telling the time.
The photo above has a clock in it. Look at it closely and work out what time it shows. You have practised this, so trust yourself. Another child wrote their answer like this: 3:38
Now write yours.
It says 6:22
